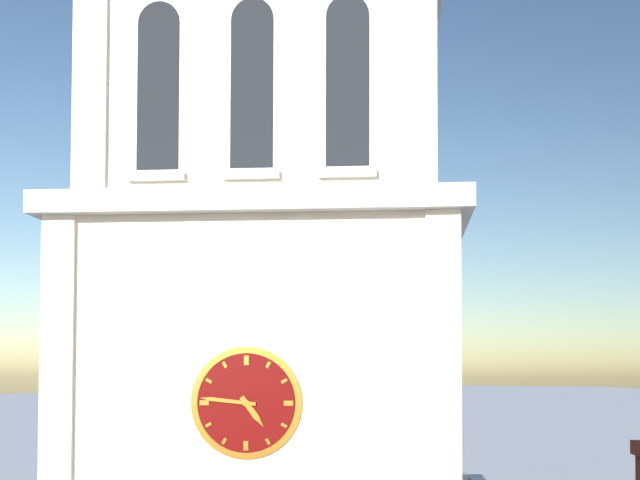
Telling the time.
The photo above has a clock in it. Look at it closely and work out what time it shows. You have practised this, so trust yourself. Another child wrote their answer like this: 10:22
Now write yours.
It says 4:46
